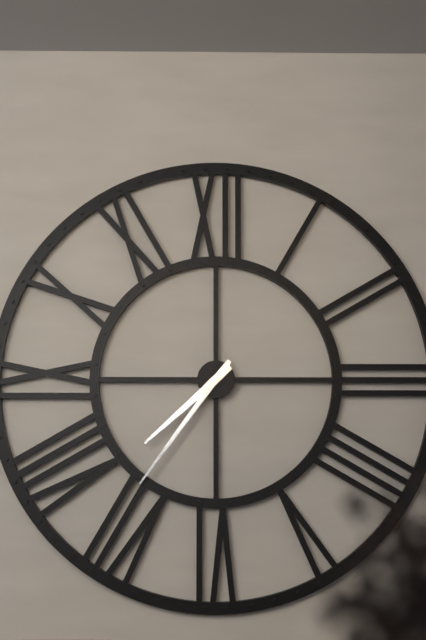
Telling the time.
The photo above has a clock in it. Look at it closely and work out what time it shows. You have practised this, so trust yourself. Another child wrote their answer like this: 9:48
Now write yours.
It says 7:36
